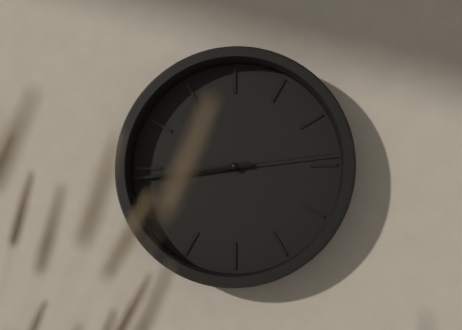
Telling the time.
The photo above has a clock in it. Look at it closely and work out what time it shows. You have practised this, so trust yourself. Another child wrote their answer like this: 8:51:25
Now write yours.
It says 8:44:14
